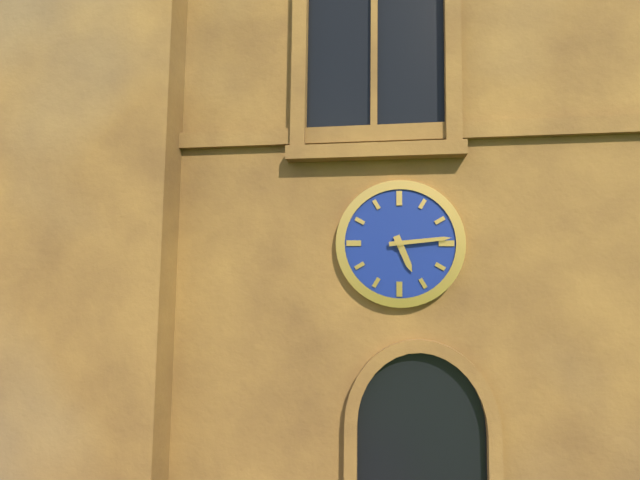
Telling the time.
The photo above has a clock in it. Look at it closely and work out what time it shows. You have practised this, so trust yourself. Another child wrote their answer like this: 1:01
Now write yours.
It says 5:14
